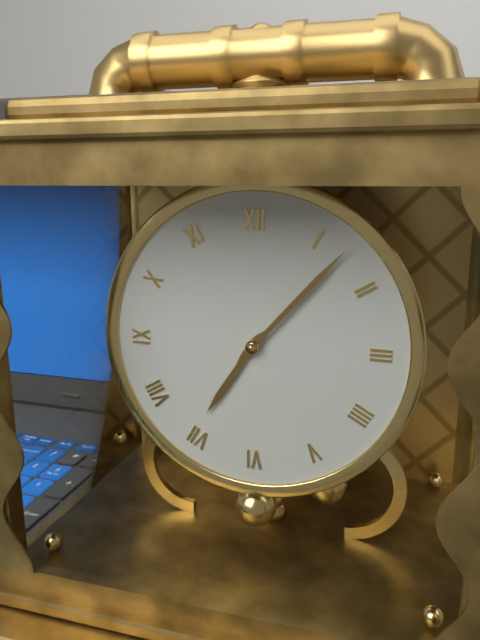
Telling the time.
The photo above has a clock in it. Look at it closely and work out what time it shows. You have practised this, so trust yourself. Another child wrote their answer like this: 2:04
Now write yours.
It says 7:07
